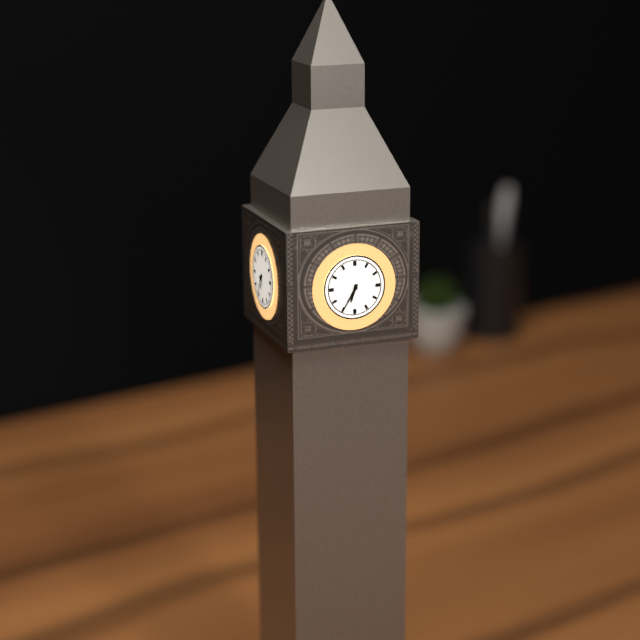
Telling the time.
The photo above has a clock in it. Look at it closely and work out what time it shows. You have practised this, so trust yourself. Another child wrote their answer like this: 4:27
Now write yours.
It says 6:35
